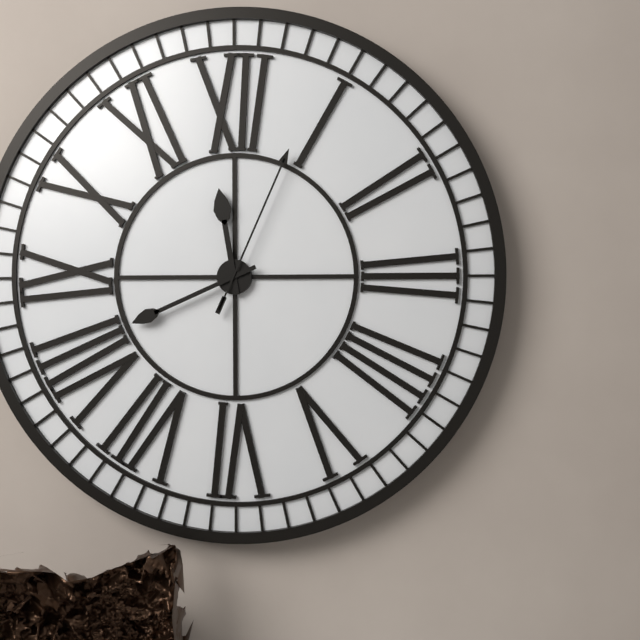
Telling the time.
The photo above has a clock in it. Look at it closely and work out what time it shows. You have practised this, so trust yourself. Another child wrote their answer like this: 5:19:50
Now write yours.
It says 11:41:04
